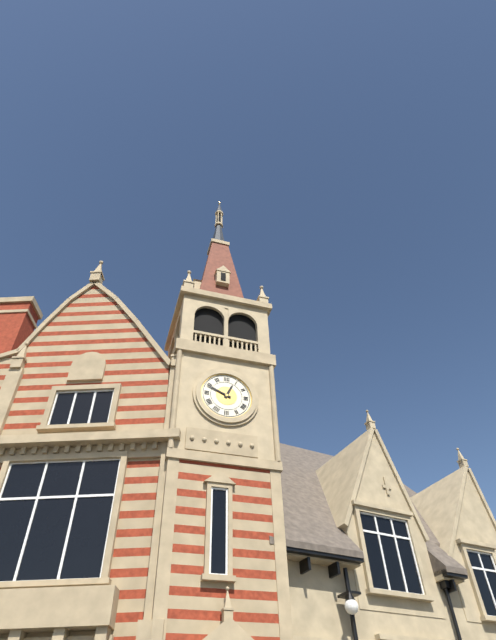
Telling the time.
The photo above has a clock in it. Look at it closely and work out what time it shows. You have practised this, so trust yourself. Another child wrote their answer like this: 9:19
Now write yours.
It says 12:49
